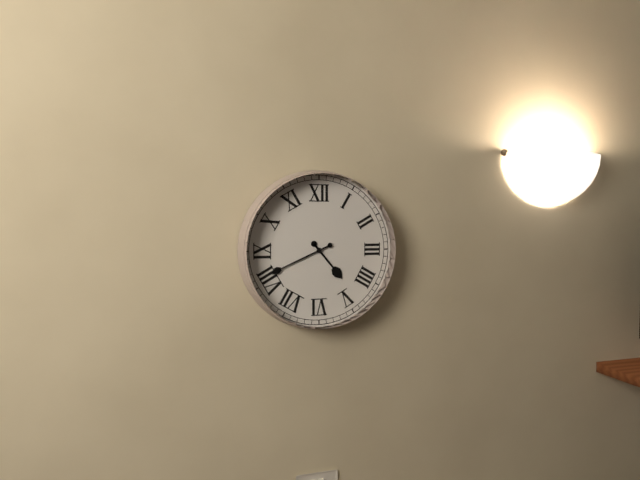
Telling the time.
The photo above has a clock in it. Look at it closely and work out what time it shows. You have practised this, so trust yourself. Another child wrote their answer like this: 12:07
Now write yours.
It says 4:41
